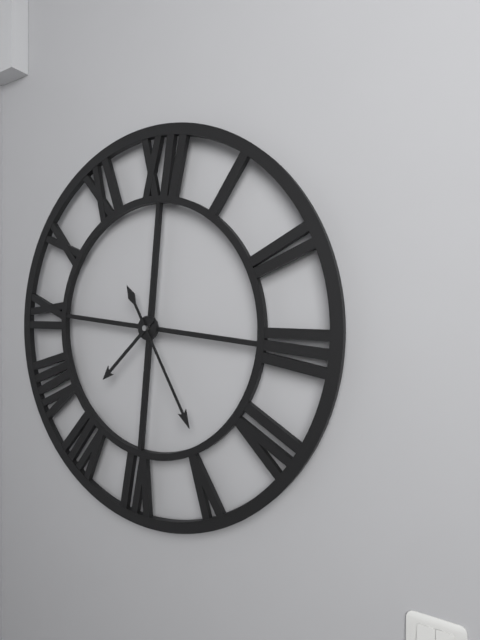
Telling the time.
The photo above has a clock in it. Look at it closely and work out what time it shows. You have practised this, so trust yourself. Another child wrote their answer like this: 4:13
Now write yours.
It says 7:24
